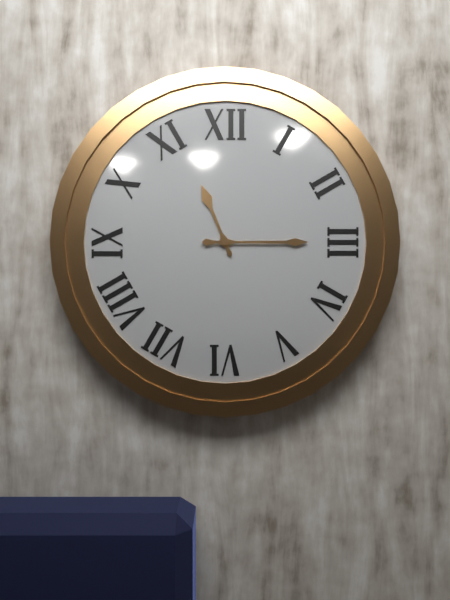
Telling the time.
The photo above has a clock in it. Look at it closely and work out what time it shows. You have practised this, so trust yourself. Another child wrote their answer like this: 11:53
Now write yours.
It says 11:15
